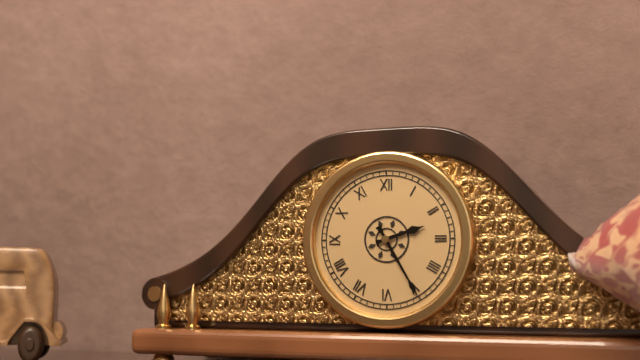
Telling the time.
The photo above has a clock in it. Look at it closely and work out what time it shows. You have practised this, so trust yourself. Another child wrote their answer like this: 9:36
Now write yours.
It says 2:25
